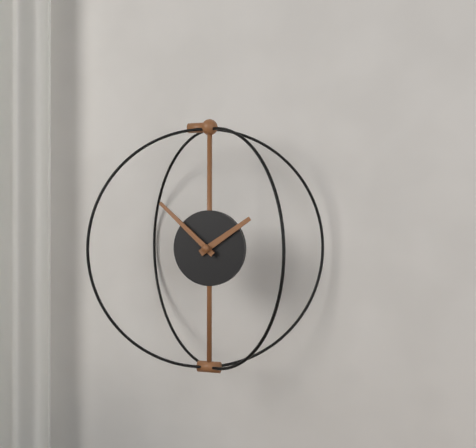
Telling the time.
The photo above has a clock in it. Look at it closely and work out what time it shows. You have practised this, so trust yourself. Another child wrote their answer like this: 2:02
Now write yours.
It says 1:52
